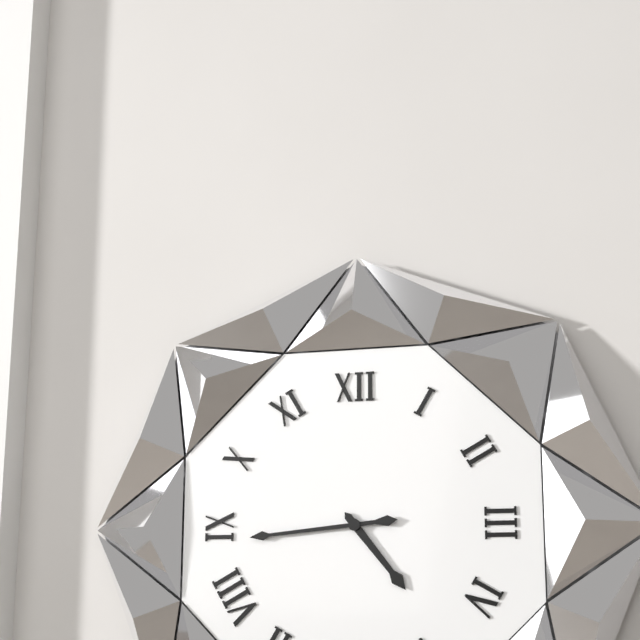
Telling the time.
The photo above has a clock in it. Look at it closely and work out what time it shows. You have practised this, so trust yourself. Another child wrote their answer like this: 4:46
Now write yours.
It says 4:44
